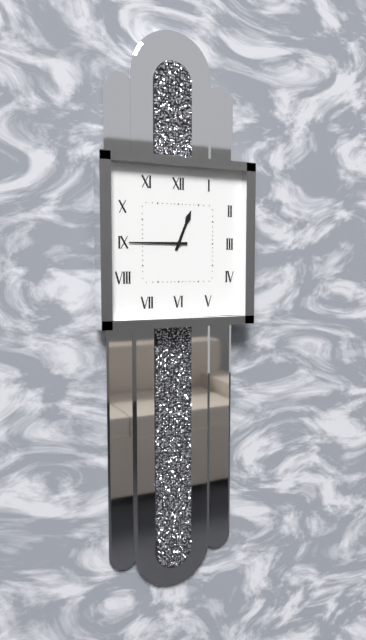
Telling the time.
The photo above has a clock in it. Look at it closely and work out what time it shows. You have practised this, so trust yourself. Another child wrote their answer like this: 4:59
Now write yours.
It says 12:45
